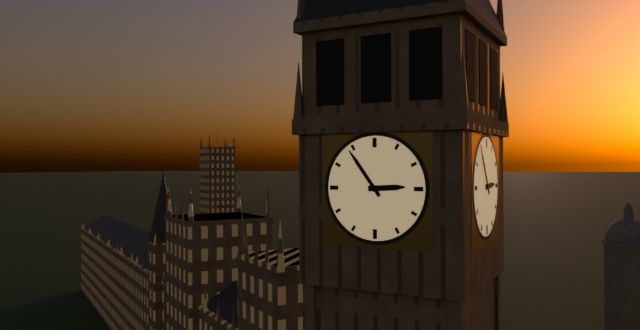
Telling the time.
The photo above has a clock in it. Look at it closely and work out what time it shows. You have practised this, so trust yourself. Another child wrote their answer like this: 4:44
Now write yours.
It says 2:54
